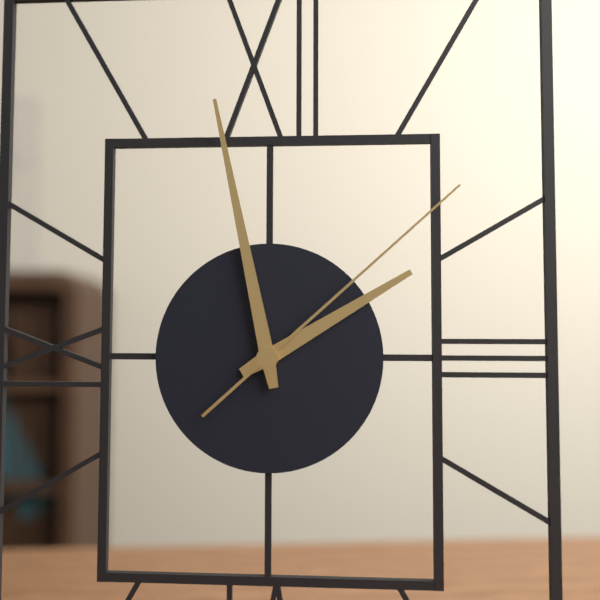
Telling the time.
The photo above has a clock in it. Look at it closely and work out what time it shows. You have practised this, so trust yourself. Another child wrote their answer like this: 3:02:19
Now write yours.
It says 1:58:08
